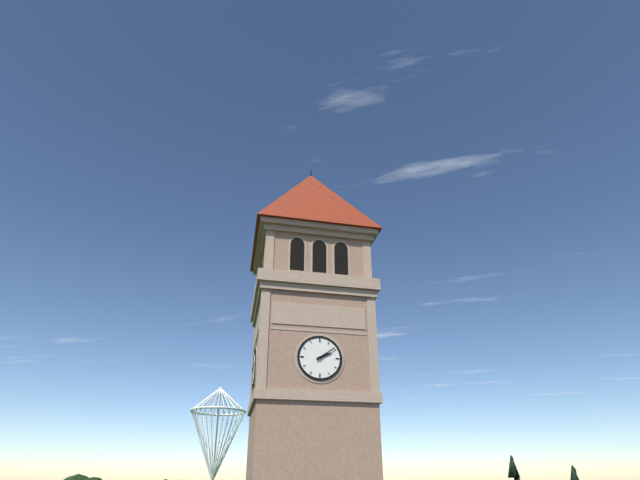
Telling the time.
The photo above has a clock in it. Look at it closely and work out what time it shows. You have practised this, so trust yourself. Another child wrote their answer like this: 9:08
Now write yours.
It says 2:09
